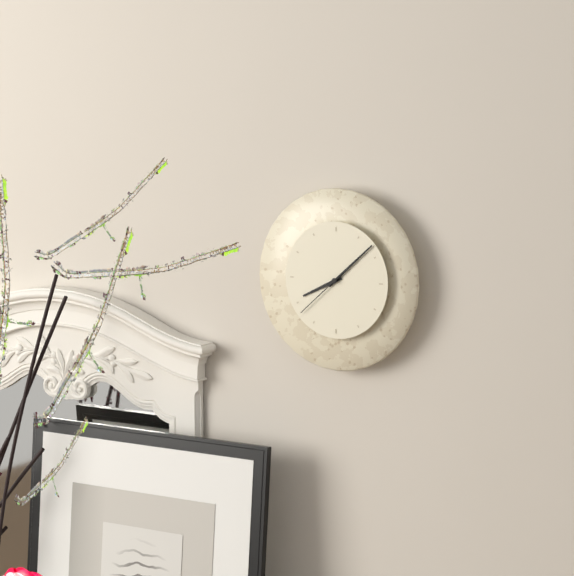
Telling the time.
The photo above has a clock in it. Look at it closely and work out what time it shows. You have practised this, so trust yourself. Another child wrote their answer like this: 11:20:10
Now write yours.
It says 8:08:38
